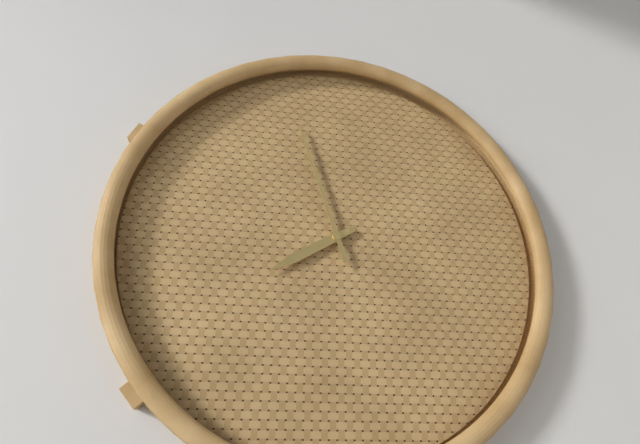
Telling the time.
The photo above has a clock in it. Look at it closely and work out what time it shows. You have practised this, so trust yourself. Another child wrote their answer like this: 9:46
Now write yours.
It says 7:57
